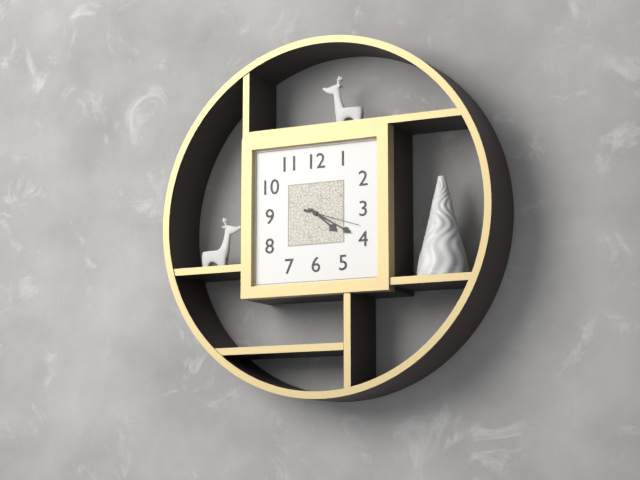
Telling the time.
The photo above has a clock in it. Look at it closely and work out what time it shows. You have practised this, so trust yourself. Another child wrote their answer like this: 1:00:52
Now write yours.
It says 4:20:18
